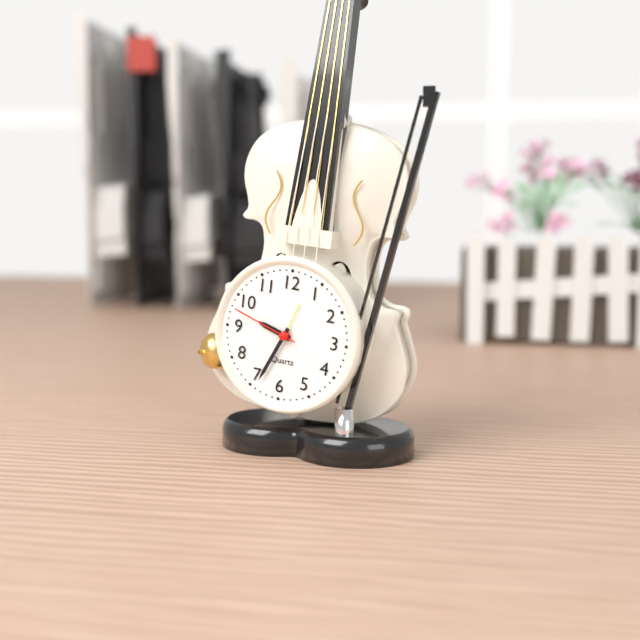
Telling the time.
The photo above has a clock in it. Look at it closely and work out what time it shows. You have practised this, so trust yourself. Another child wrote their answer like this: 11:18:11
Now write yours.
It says 9:34:48
